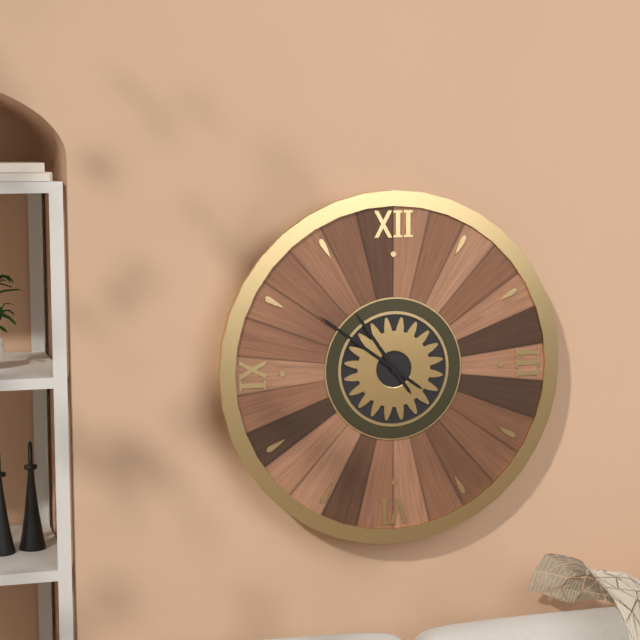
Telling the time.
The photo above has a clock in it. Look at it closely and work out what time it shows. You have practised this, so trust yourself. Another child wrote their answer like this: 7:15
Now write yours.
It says 10:51
